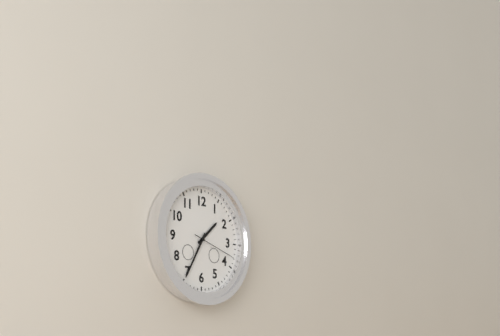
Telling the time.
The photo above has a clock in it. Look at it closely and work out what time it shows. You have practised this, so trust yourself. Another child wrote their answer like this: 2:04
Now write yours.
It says 1:35
